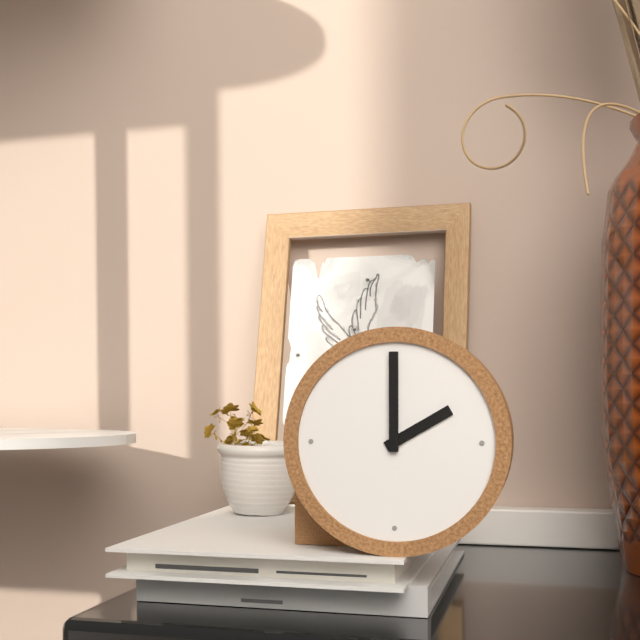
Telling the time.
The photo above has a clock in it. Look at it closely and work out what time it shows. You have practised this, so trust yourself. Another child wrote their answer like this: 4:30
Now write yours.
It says 2:00
